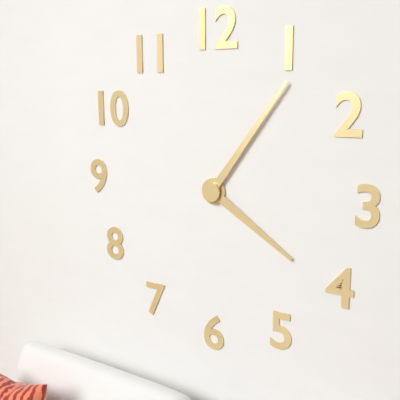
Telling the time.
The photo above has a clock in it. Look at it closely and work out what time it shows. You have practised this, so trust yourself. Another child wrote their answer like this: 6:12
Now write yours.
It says 4:06
